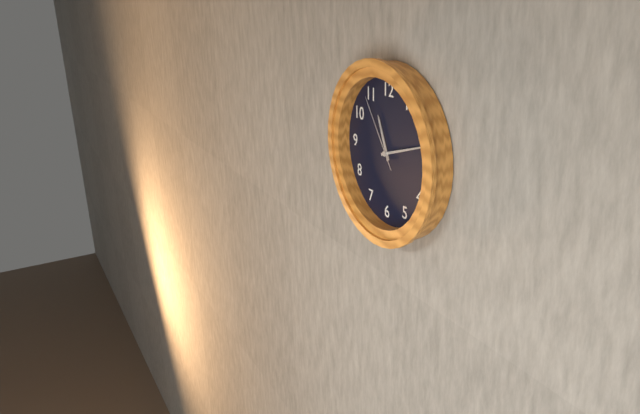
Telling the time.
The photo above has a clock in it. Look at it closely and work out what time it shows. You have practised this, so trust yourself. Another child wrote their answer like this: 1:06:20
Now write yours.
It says 11:12:54
